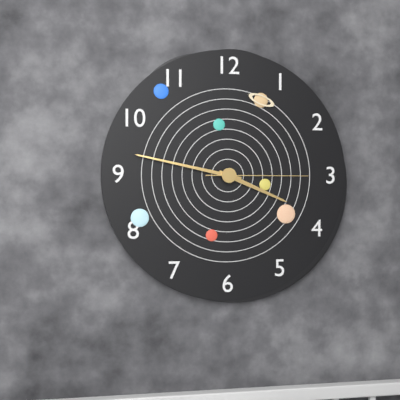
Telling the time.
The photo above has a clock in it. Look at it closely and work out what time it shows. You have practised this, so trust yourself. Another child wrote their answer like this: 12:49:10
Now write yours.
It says 3:47:15
